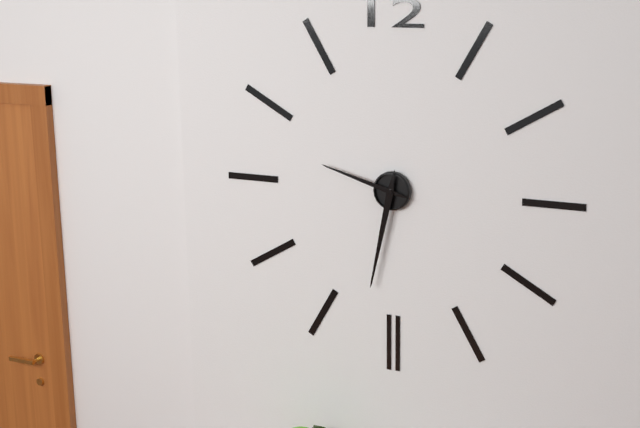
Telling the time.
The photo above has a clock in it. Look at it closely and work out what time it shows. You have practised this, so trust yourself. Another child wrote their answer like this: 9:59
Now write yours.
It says 9:32
